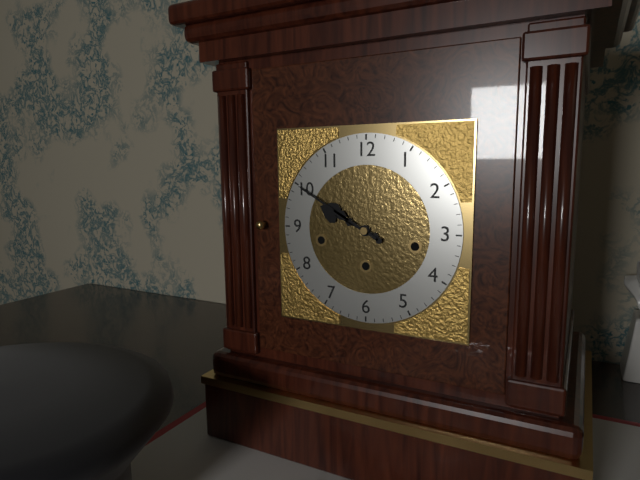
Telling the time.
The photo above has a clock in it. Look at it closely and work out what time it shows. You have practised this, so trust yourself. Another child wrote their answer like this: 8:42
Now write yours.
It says 9:50
